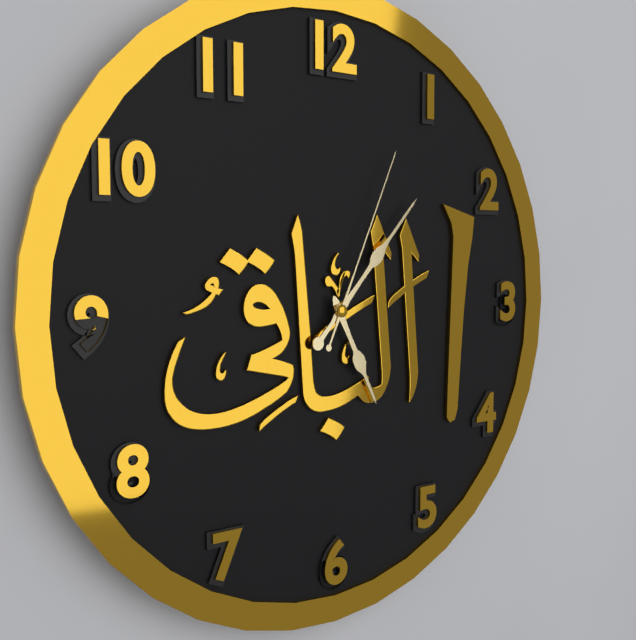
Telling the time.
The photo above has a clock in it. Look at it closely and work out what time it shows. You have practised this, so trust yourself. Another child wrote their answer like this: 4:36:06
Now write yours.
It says 5:07:04
